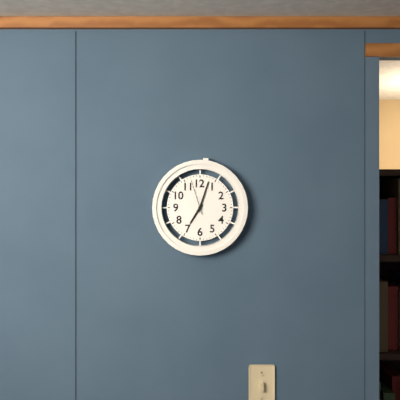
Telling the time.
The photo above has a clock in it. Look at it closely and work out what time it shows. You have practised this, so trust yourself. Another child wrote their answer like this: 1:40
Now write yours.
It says 7:03
